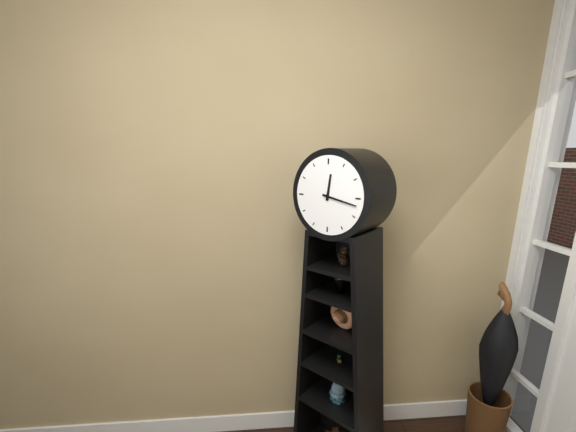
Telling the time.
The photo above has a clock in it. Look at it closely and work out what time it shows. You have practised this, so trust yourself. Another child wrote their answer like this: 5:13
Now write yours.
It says 12:17
